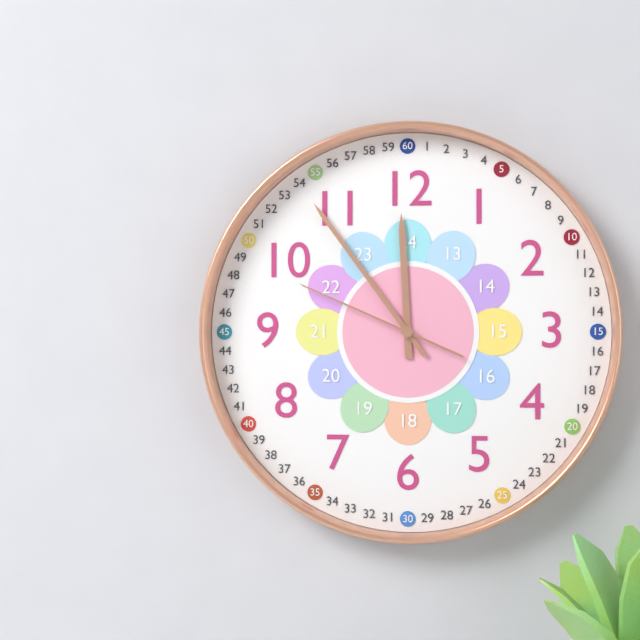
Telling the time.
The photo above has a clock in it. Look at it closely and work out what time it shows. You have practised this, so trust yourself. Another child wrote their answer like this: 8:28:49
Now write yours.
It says 11:54:49
